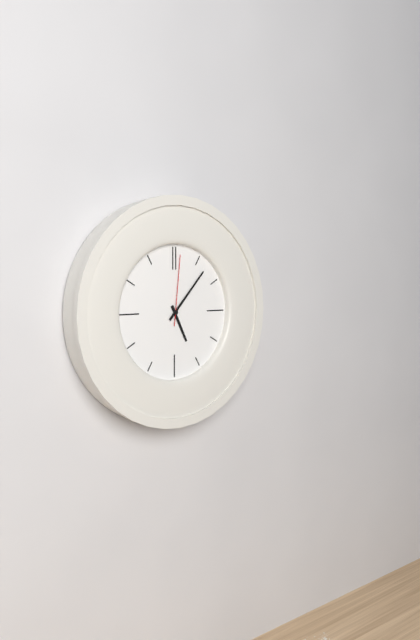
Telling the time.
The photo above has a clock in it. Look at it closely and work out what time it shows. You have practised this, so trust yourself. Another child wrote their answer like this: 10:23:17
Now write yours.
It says 5:07:01
